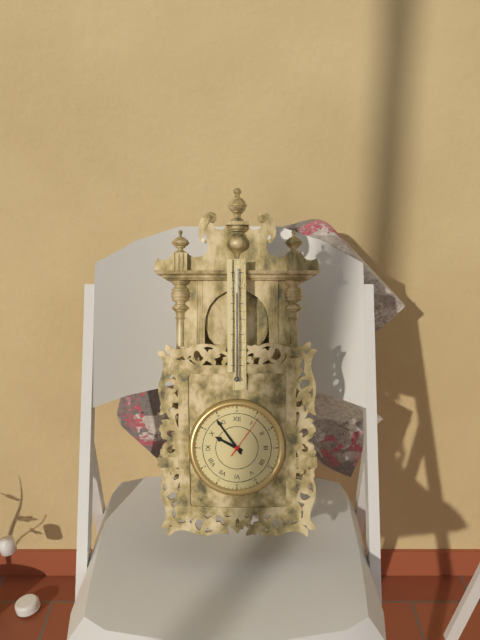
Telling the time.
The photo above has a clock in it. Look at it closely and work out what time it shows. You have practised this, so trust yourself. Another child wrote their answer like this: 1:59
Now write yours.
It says 9:54
